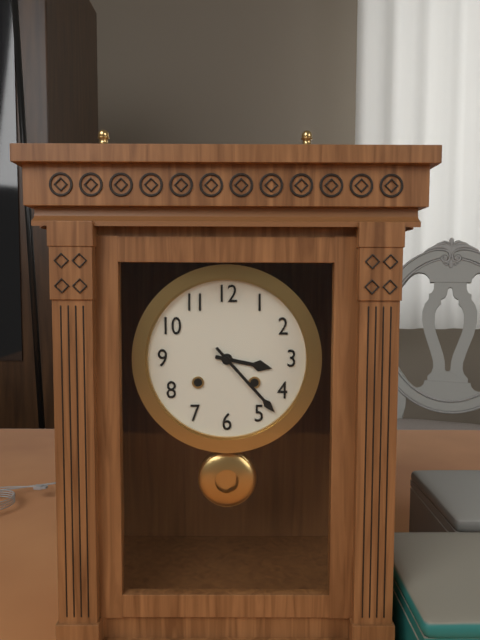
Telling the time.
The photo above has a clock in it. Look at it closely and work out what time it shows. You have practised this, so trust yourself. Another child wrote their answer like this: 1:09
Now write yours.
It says 3:23
